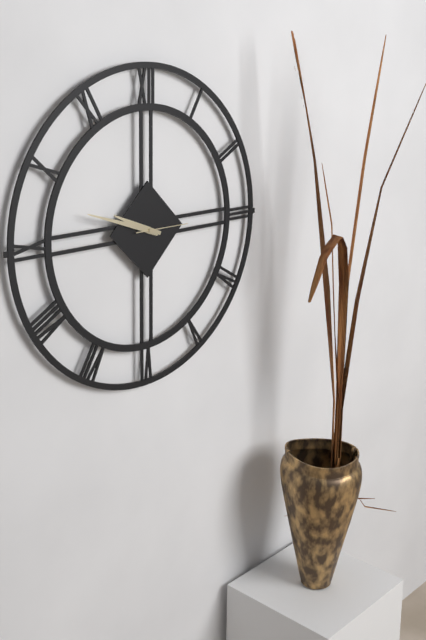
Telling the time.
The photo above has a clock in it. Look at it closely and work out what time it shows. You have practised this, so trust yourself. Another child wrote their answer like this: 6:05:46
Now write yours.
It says 9:48:15
